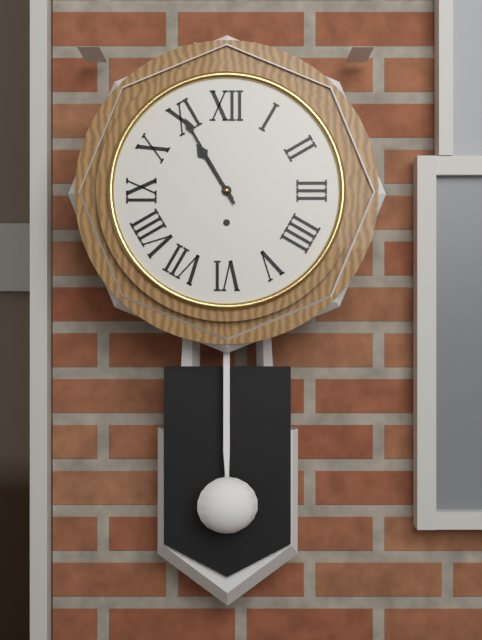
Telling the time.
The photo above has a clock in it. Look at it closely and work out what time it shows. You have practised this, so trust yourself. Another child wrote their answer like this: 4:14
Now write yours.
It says 10:55
